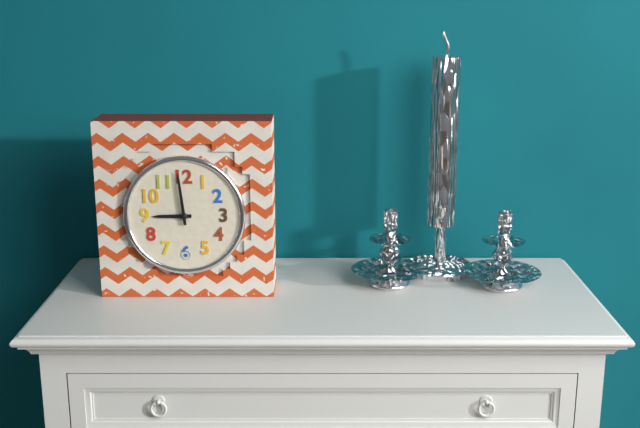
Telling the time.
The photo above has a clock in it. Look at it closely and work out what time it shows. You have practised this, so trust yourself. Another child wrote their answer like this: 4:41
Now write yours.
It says 8:59
